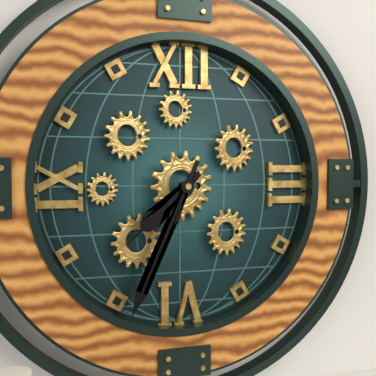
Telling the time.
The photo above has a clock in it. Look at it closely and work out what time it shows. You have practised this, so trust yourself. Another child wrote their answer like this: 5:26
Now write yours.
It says 7:34
